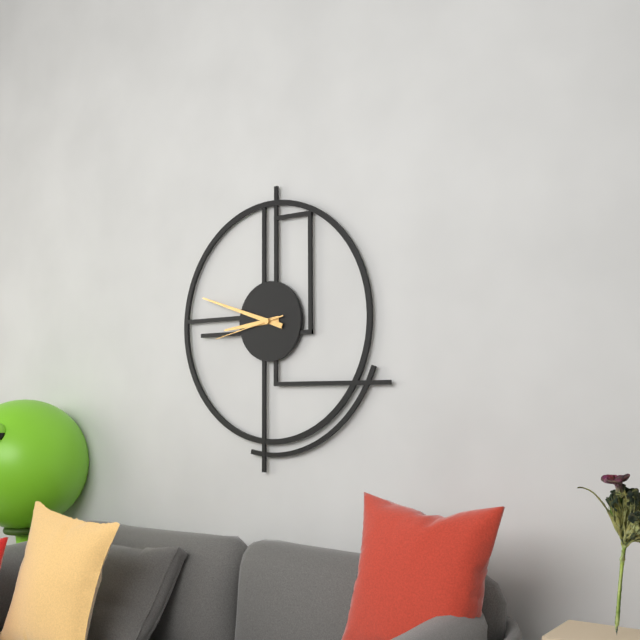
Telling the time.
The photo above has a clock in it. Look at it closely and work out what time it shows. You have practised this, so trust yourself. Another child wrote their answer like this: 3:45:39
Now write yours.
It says 8:48:43
